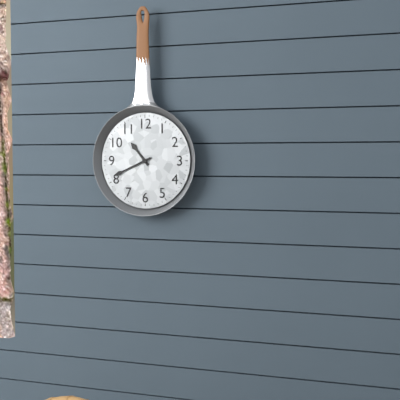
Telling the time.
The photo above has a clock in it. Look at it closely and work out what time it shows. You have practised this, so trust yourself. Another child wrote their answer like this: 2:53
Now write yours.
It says 10:41
